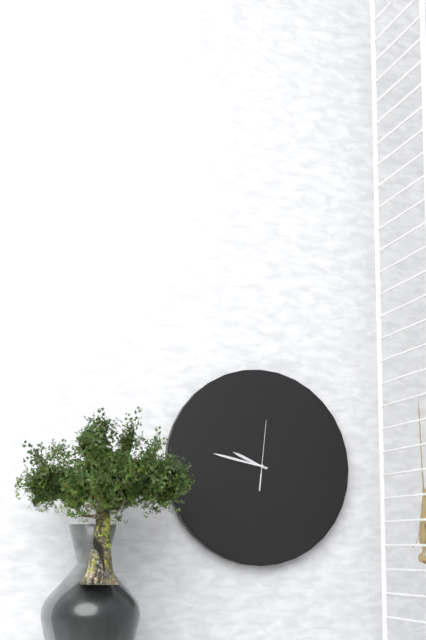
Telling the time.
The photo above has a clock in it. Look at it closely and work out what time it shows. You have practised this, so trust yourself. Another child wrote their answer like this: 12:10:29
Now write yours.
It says 9:47:01
